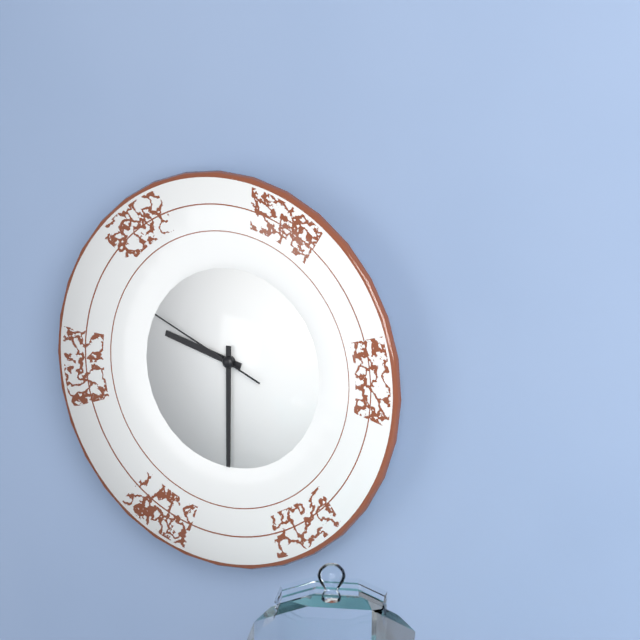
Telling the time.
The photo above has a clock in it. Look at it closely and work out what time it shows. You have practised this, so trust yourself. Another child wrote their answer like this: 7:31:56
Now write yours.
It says 9:30:49
